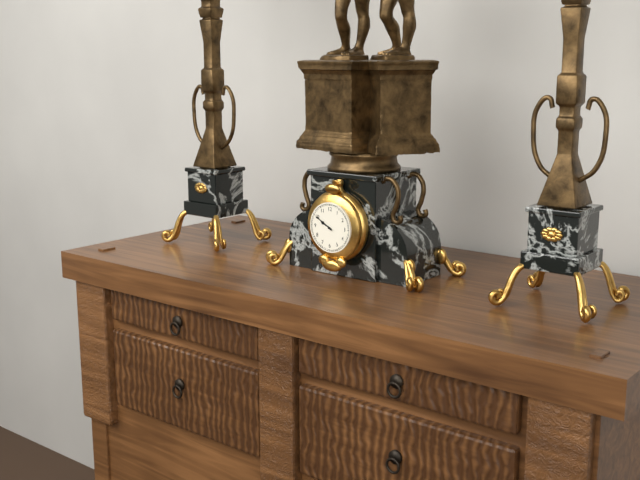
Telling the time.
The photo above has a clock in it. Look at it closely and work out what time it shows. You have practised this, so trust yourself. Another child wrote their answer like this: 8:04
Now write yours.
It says 9:50
